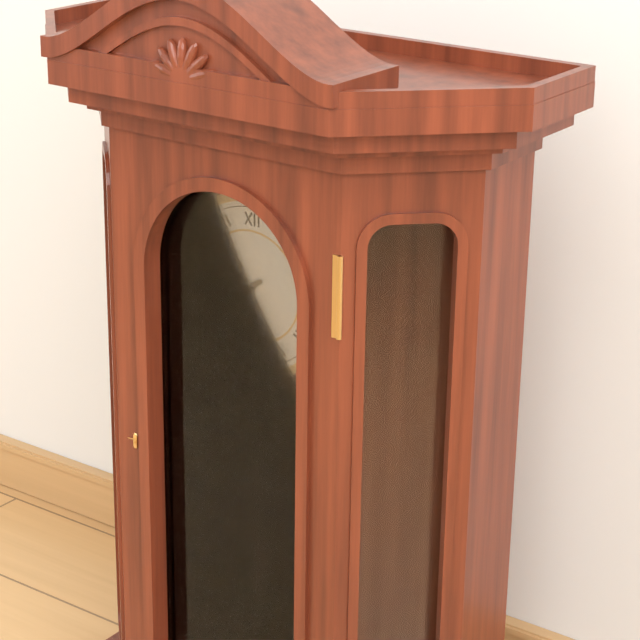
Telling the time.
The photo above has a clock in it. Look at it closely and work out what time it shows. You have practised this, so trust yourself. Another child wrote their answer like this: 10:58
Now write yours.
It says 7:39
